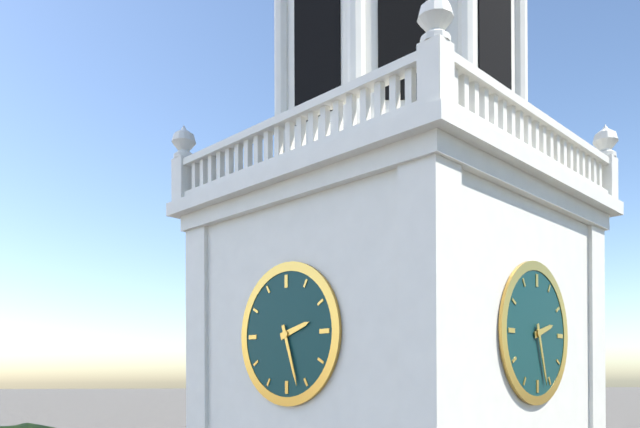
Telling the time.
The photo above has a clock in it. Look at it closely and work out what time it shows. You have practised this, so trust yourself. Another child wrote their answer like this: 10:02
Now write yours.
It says 2:27
